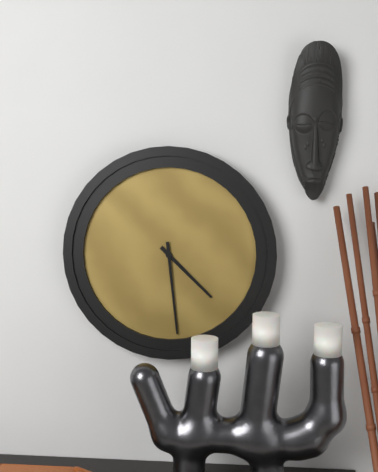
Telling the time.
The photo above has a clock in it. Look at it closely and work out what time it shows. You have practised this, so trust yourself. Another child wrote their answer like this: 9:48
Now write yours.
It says 4:29
